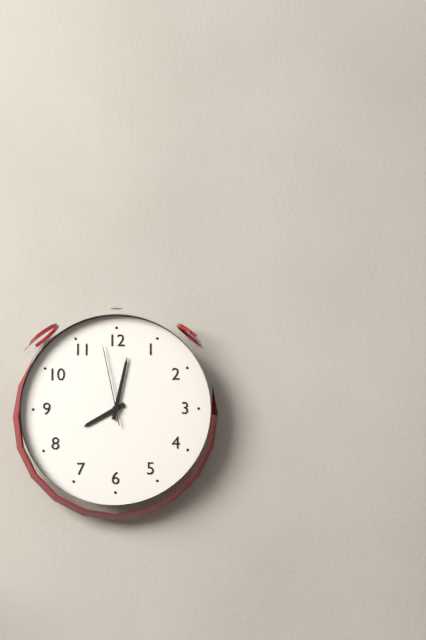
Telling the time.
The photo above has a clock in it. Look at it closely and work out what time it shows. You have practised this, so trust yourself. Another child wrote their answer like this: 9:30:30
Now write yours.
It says 8:02:58
